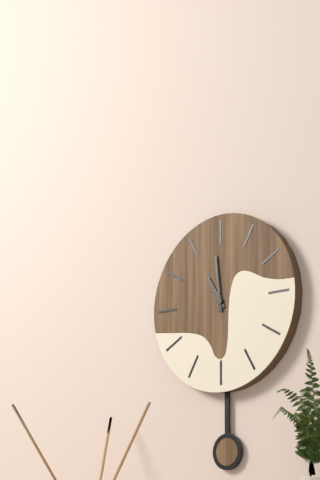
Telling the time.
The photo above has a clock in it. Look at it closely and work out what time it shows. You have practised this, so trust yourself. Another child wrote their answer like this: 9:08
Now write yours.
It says 10:59
